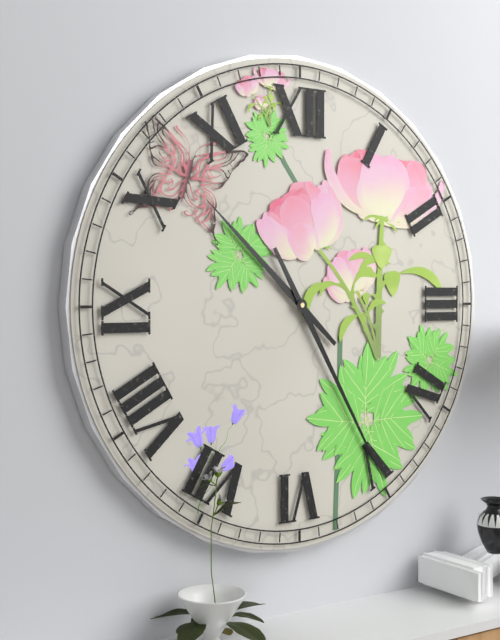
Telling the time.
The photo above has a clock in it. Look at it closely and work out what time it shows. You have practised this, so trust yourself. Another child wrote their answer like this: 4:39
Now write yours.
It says 10:25
